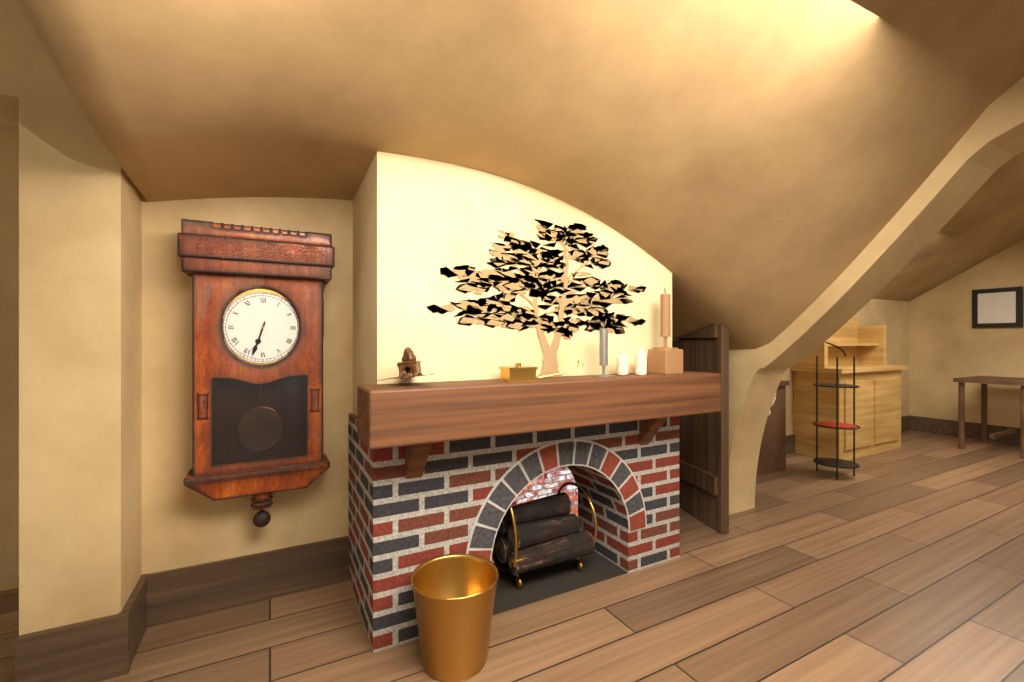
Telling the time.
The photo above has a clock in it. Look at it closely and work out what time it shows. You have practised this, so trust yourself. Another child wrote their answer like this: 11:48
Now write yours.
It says 6:33
